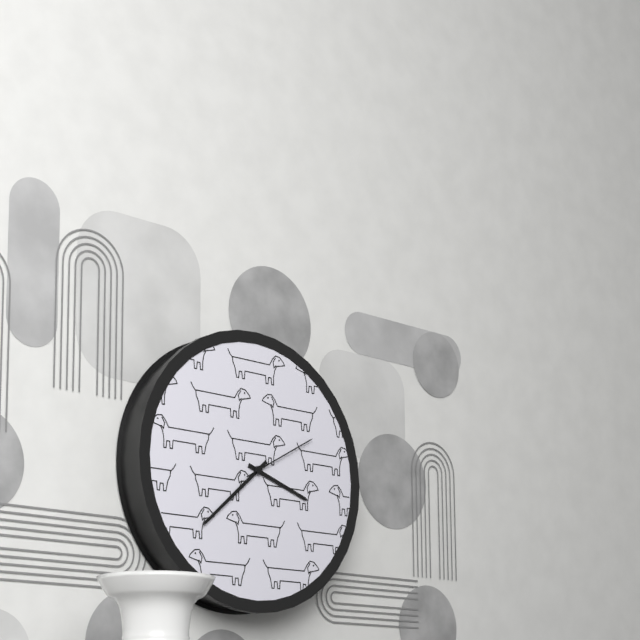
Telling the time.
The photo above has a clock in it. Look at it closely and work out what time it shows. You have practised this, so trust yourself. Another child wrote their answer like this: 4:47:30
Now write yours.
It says 3:38:10
